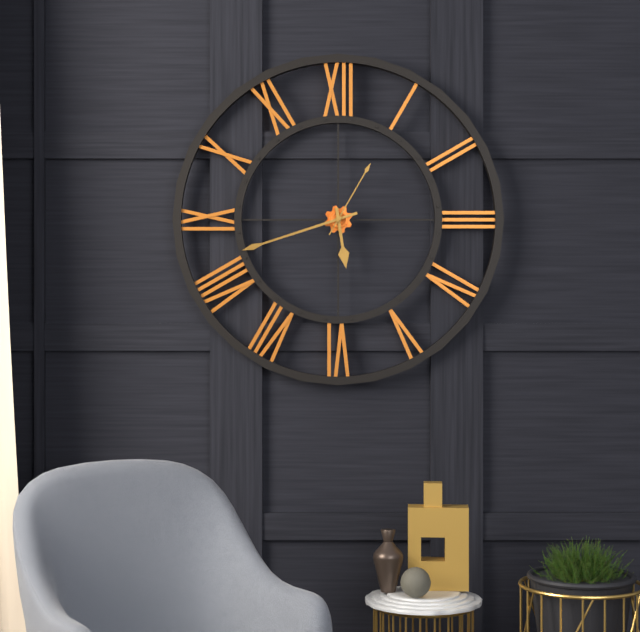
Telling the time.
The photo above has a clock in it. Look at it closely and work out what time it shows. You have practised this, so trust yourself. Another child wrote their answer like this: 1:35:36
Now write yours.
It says 5:42:05
